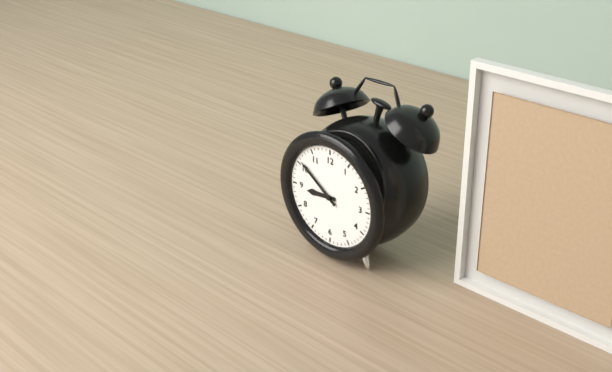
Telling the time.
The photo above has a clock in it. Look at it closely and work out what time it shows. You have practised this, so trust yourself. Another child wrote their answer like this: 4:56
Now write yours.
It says 8:51
